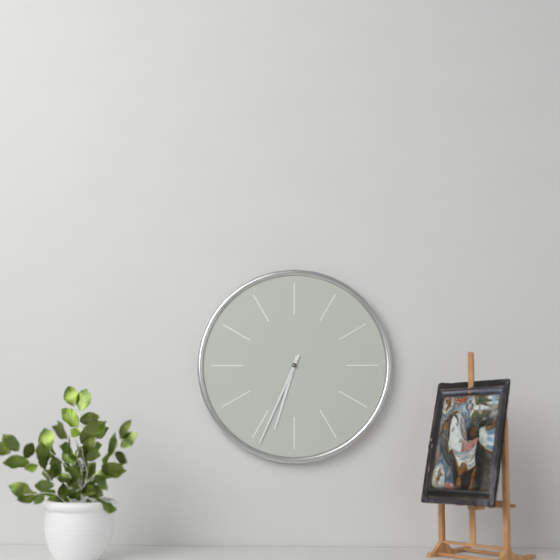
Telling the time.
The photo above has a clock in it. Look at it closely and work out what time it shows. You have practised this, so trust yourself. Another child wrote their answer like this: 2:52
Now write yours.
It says 6:34
